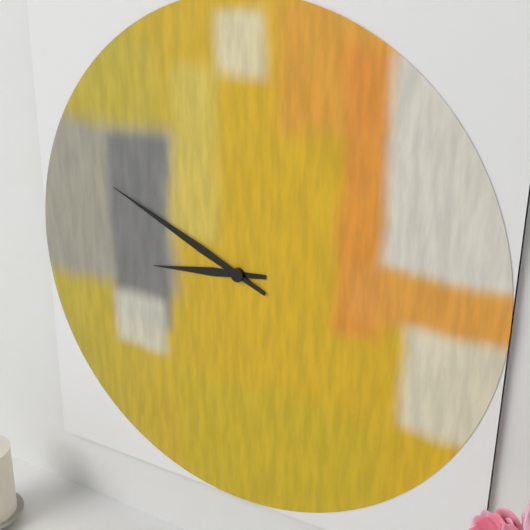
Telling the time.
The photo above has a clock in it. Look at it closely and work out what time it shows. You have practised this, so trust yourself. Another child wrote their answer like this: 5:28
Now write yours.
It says 8:49
